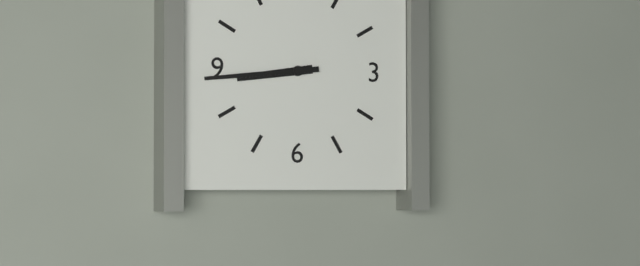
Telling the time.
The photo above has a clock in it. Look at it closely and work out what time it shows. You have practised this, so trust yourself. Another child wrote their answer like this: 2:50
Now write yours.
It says 8:44
